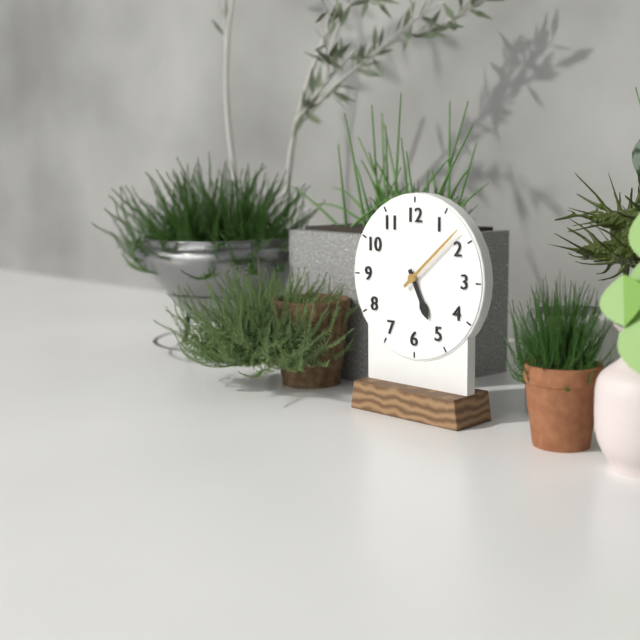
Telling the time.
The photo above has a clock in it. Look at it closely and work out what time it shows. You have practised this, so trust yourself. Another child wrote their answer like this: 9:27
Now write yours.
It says 5:08
